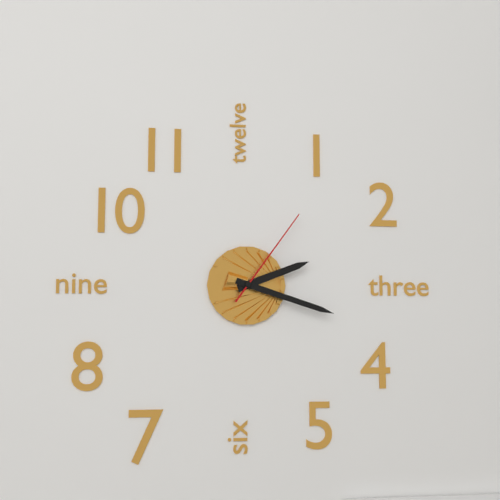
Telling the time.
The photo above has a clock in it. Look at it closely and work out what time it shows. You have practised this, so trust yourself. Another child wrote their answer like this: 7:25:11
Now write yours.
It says 2:18:06
